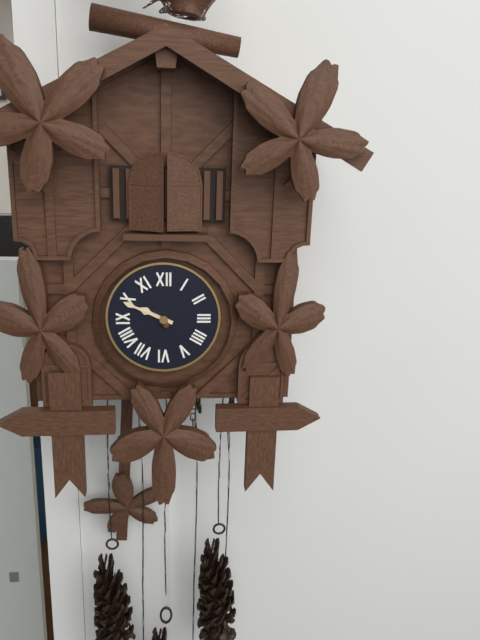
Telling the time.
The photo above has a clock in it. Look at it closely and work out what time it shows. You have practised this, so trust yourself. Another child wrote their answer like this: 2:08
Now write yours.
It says 9:49
